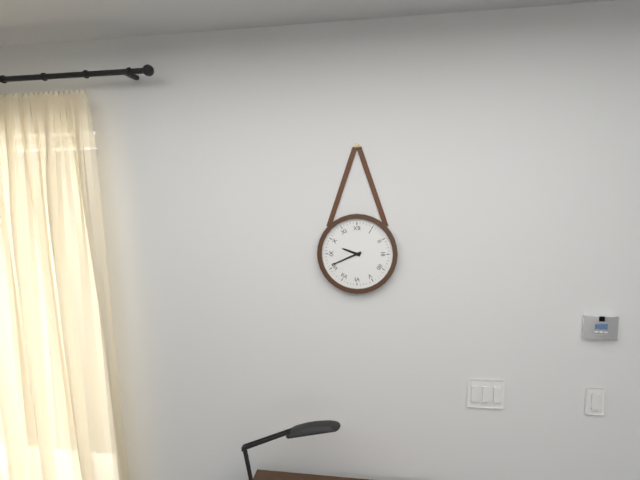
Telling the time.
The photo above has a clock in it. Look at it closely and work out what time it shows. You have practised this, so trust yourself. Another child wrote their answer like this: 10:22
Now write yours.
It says 9:41
